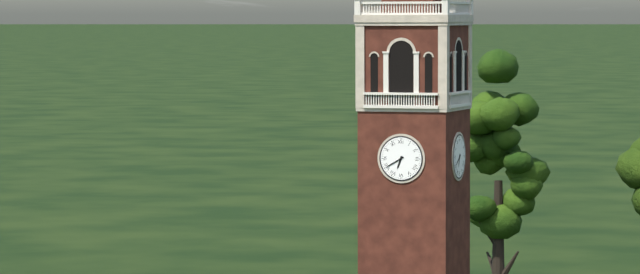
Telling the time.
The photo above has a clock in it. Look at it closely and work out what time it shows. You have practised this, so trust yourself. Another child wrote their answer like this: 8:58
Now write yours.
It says 6:40
